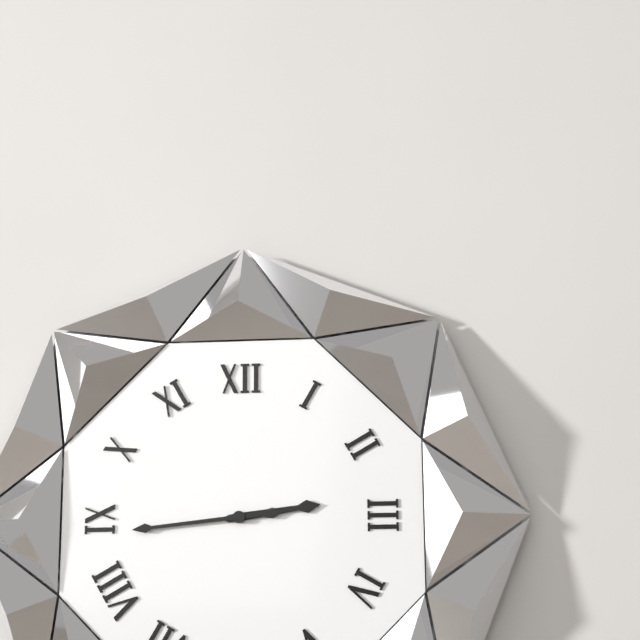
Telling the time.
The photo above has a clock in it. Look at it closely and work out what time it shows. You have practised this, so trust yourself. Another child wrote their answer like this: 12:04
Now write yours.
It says 2:44
